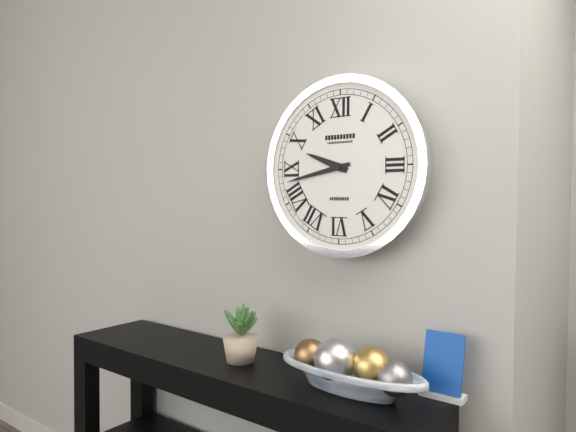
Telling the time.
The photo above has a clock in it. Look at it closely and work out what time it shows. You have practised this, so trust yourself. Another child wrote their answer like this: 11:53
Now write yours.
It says 9:43
